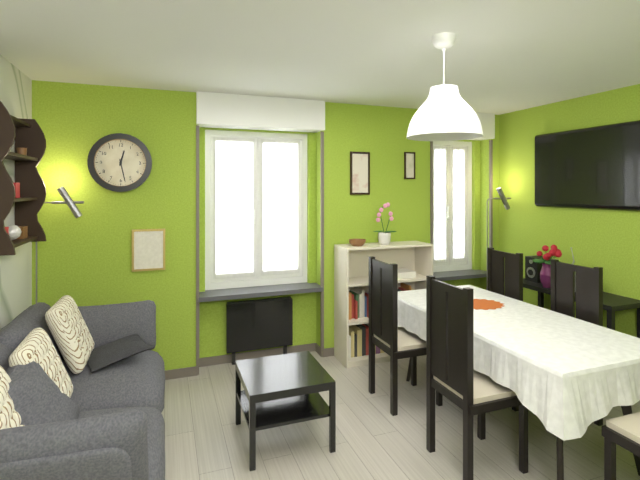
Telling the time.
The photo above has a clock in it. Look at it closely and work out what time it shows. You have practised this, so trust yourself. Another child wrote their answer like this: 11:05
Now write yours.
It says 12:28
